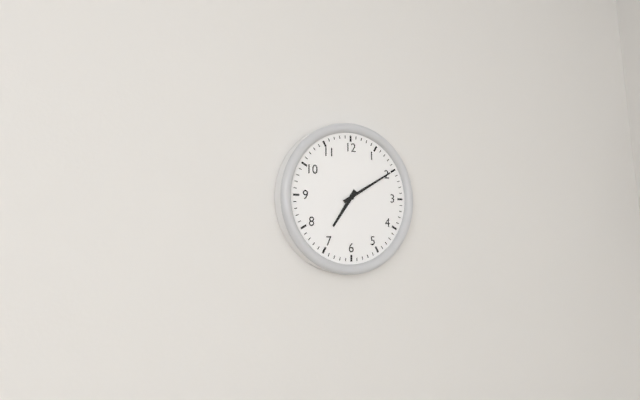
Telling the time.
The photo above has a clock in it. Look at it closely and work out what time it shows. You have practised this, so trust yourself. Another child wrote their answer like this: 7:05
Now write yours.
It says 7:10
